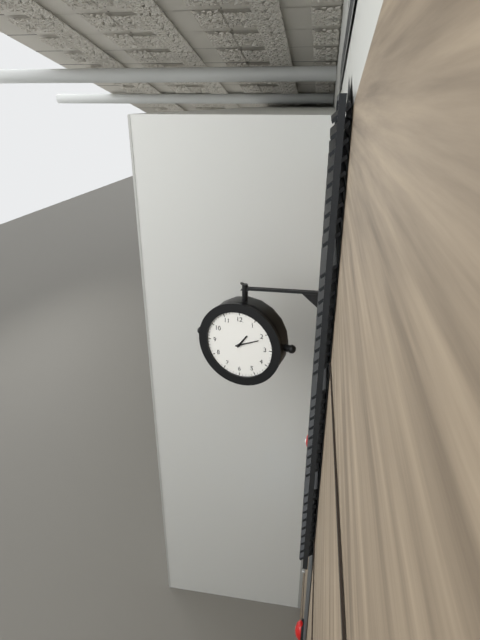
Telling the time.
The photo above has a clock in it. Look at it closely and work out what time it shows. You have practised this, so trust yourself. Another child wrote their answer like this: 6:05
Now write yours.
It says 1:11
